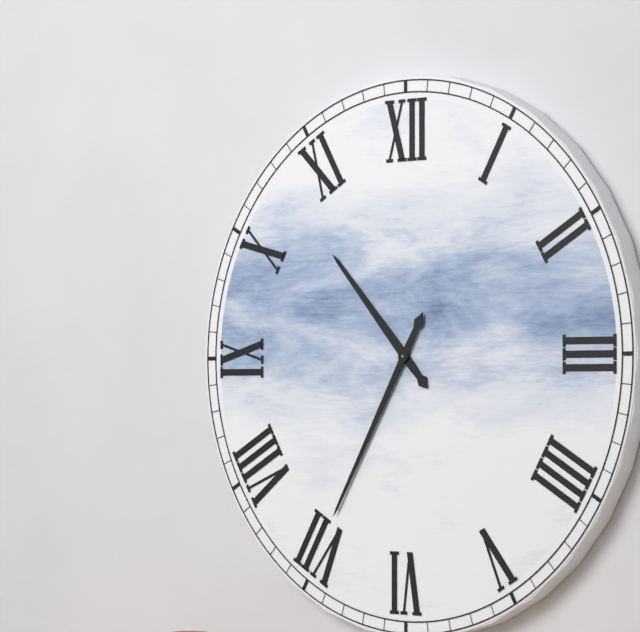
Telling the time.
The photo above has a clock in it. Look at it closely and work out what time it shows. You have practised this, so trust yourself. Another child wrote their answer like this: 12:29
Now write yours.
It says 10:35
